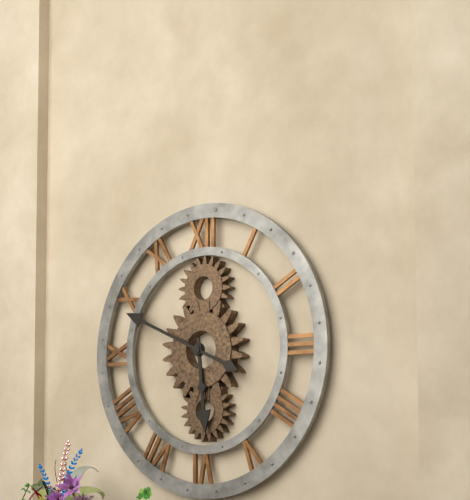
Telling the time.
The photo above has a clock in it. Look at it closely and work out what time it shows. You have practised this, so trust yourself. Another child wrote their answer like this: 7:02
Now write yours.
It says 5:49
